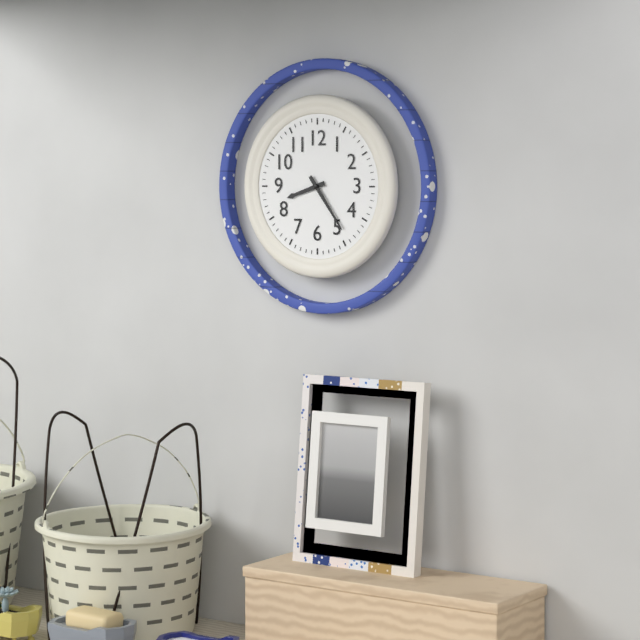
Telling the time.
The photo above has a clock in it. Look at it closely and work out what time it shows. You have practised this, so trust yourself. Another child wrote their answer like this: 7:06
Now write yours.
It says 8:24
